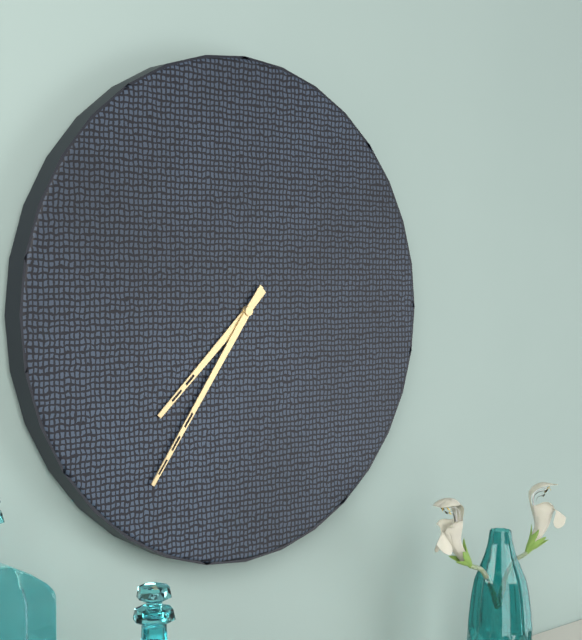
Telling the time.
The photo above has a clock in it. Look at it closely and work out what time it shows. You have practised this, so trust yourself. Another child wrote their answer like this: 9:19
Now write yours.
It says 7:36
